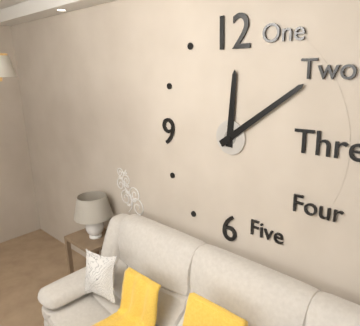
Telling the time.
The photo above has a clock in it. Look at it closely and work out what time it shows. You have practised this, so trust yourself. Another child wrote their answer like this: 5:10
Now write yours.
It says 12:09
